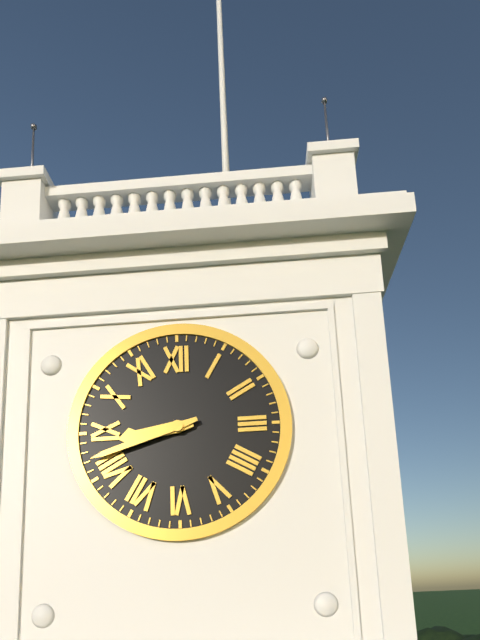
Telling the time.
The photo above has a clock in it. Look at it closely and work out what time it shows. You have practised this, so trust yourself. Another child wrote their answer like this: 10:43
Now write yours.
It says 8:42
